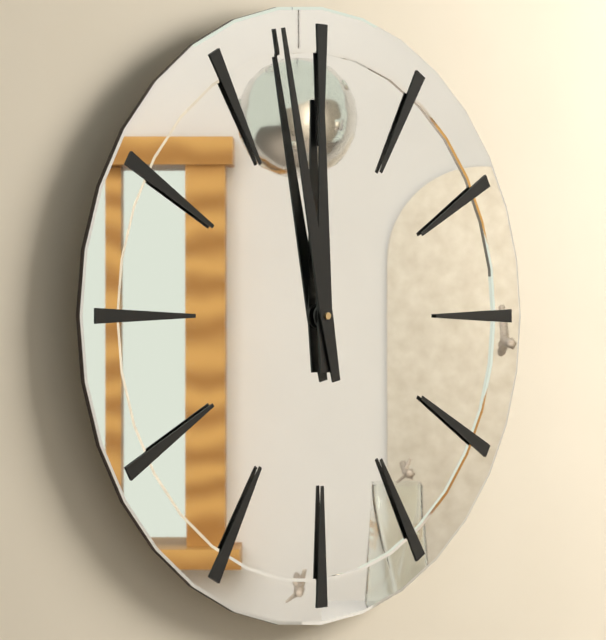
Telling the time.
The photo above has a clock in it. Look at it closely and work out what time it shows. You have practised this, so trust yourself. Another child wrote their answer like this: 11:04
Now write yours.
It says 11:58
